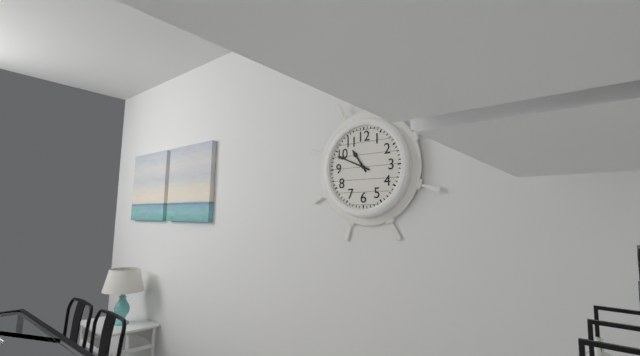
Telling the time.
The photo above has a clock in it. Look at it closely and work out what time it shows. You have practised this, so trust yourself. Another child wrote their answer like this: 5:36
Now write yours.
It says 10:49
